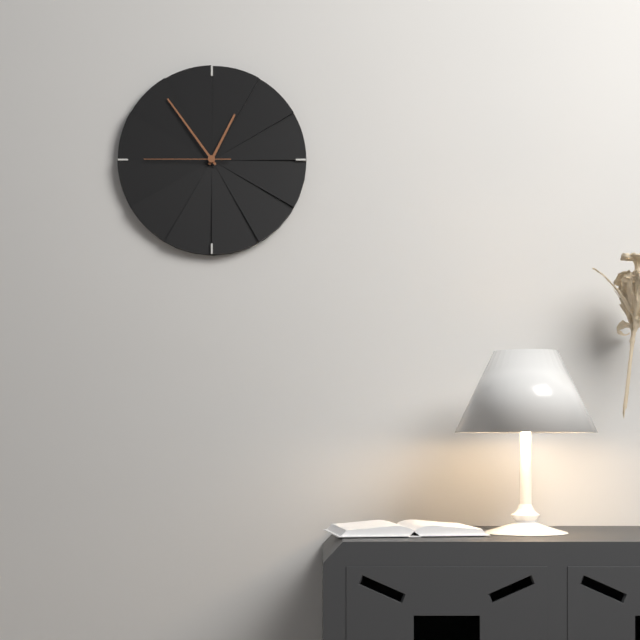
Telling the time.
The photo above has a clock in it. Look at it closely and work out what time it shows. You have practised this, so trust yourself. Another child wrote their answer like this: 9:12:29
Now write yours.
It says 12:54:45
